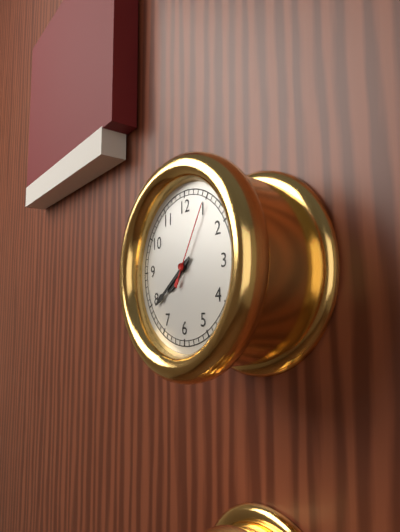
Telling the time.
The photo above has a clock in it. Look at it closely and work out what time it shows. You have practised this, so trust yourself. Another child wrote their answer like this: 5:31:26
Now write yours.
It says 7:39:05
